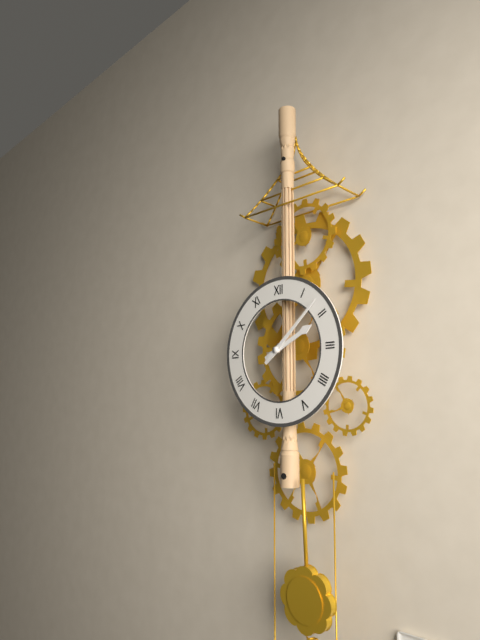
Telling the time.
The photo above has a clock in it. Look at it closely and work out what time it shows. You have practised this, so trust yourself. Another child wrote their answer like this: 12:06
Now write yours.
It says 2:08
